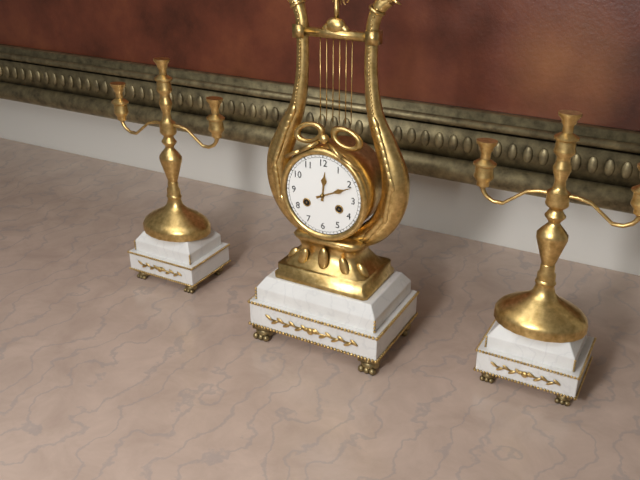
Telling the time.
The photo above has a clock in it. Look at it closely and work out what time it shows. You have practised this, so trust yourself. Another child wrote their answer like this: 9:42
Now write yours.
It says 12:11
